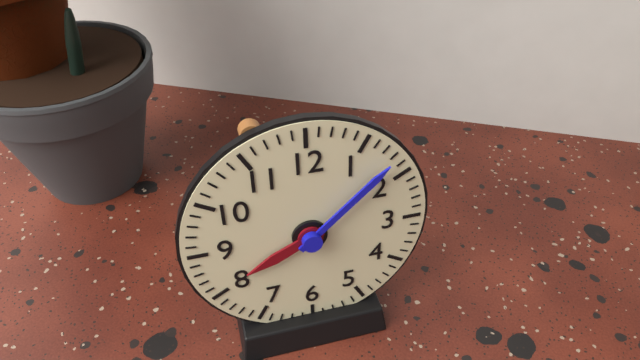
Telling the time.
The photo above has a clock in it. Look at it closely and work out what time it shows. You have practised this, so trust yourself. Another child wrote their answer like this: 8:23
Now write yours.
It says 8:08
